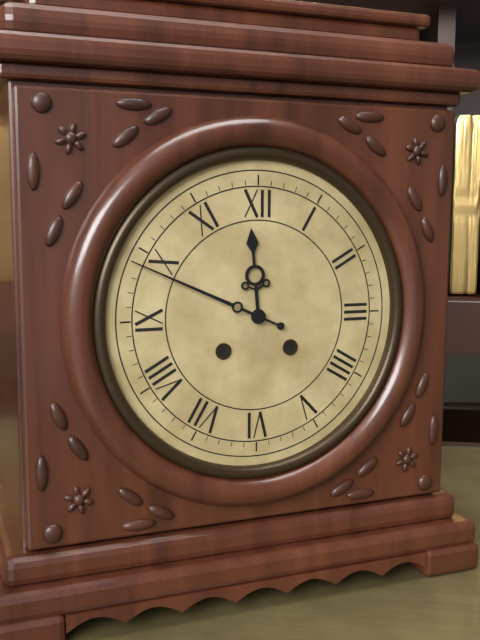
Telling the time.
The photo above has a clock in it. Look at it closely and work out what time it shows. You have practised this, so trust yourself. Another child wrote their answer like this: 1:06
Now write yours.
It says 11:49
